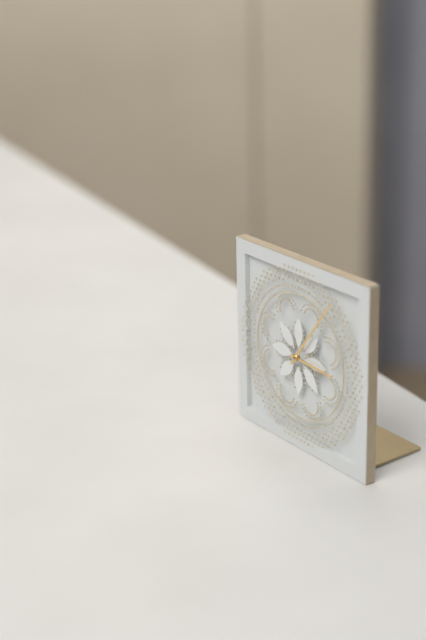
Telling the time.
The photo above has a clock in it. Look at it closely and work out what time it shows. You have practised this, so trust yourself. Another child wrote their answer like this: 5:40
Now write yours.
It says 3:06
